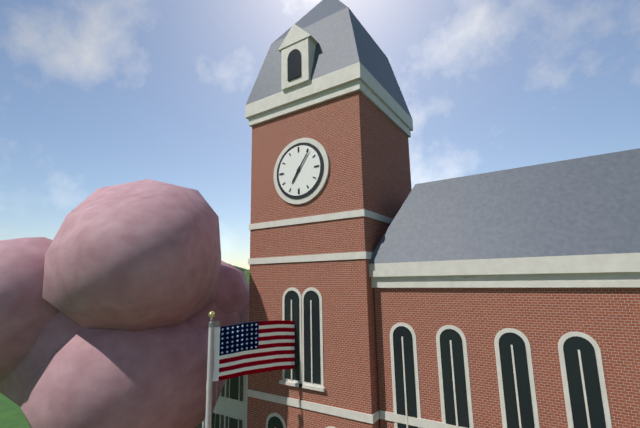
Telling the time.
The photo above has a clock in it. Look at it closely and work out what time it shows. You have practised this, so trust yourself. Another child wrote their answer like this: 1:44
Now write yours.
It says 7:06
